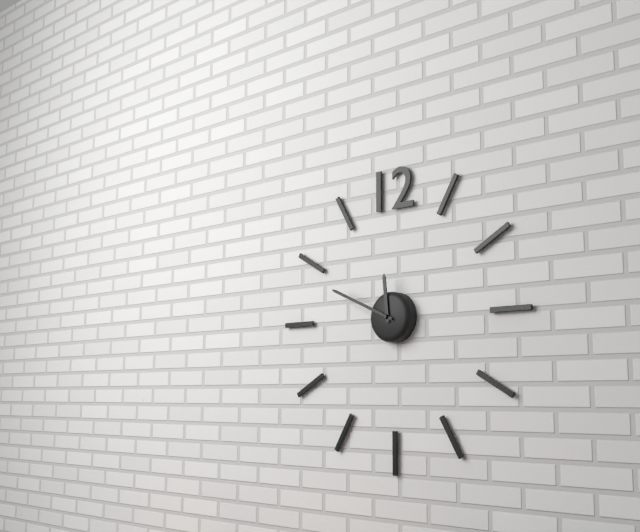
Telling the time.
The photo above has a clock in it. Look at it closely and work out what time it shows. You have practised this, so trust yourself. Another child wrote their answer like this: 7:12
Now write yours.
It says 11:49
